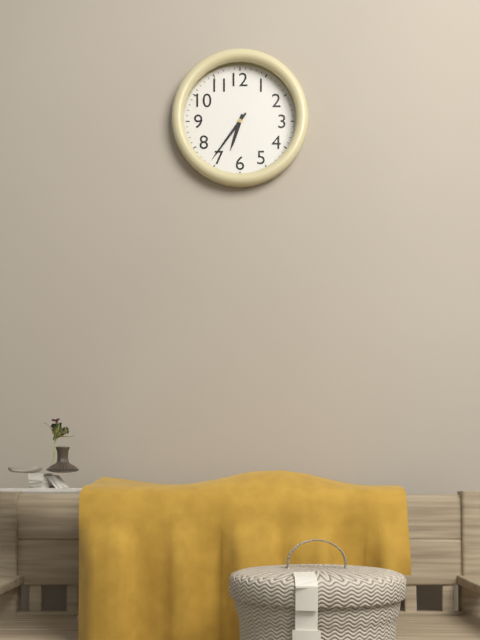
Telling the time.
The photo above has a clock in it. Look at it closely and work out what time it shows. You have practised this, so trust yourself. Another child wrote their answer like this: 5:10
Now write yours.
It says 6:36
